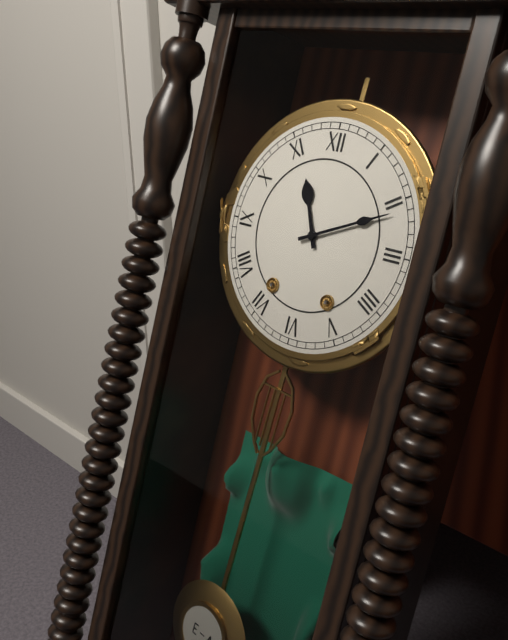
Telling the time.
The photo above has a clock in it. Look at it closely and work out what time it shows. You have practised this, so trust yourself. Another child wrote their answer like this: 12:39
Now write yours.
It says 11:11
